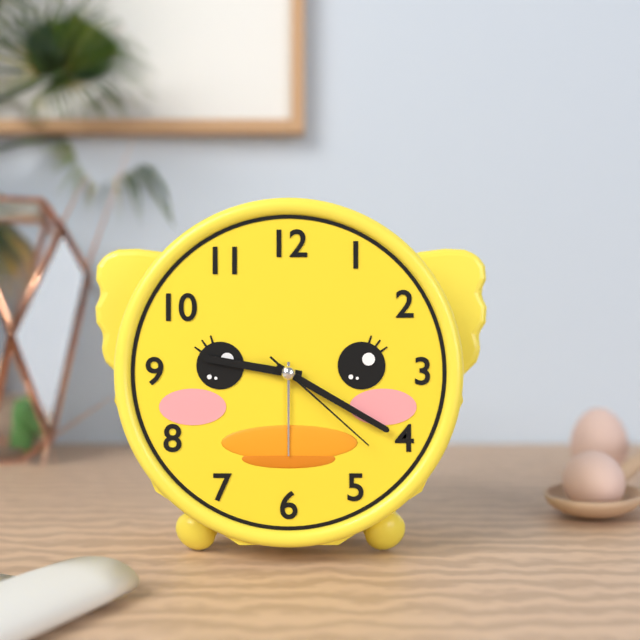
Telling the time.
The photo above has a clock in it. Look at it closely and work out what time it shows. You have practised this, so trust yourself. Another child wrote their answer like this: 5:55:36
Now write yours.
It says 9:20:22
